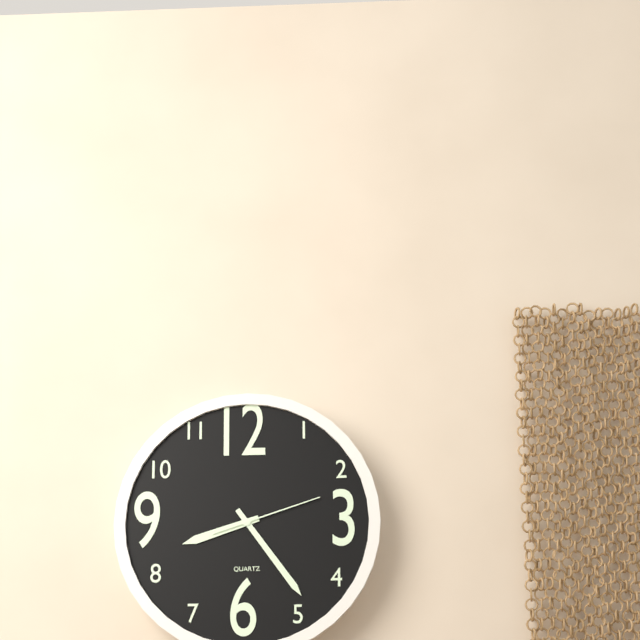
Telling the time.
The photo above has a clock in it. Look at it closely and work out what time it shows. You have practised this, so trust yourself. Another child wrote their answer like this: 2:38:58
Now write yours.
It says 8:24:12
